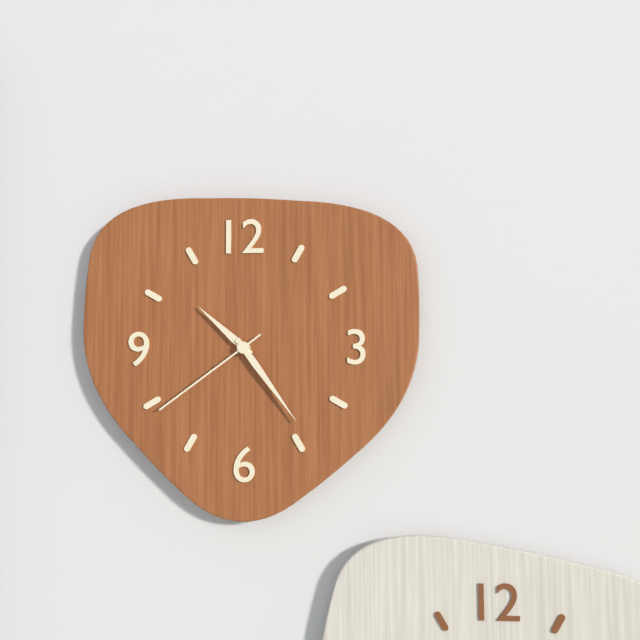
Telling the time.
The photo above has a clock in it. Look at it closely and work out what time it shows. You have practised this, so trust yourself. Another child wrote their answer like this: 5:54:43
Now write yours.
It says 10:24:39
